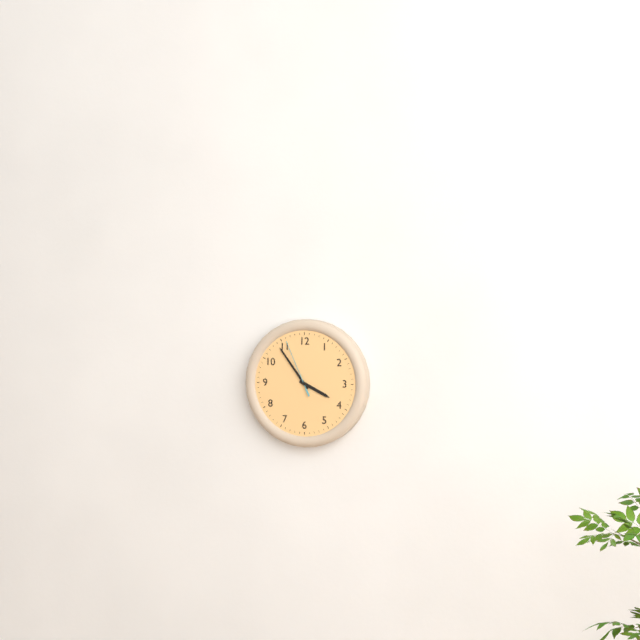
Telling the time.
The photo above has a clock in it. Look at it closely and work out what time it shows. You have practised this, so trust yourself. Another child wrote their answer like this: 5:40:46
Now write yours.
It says 3:54:56
